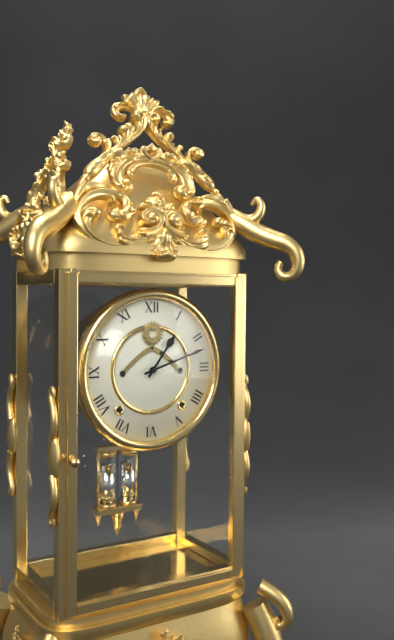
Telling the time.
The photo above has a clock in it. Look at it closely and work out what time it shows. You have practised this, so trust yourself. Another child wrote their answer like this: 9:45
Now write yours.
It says 1:12
